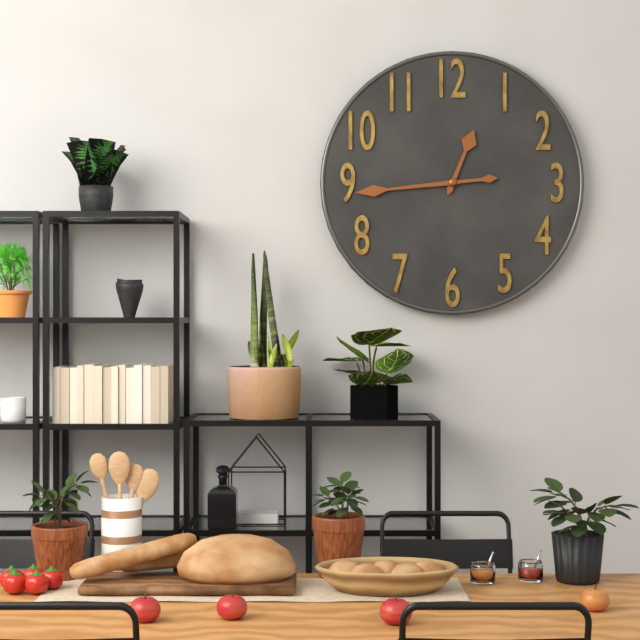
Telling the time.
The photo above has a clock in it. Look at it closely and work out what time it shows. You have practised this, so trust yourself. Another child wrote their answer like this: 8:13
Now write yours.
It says 12:44
